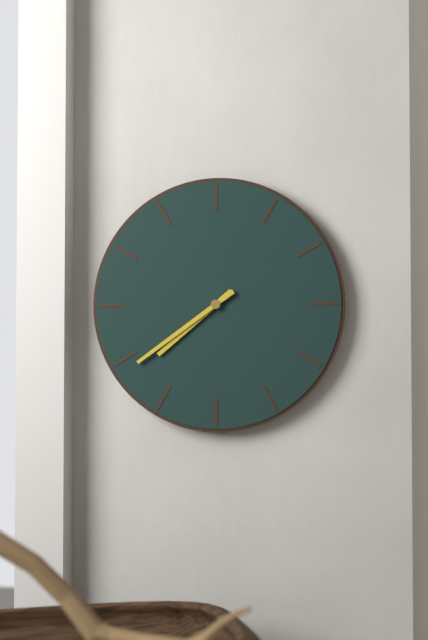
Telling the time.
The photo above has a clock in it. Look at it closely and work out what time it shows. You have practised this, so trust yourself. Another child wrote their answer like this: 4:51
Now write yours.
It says 7:39
